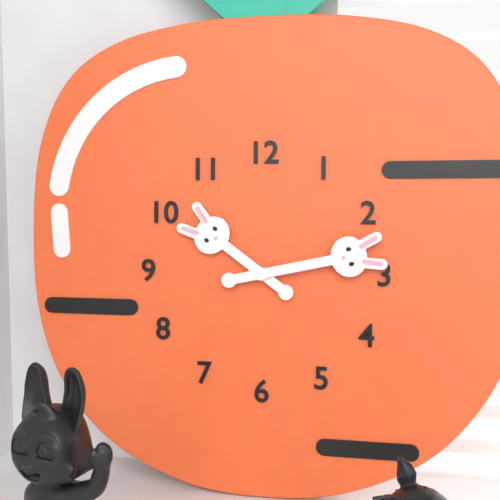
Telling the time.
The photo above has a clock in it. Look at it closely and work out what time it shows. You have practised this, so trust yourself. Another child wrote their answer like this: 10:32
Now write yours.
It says 10:13
